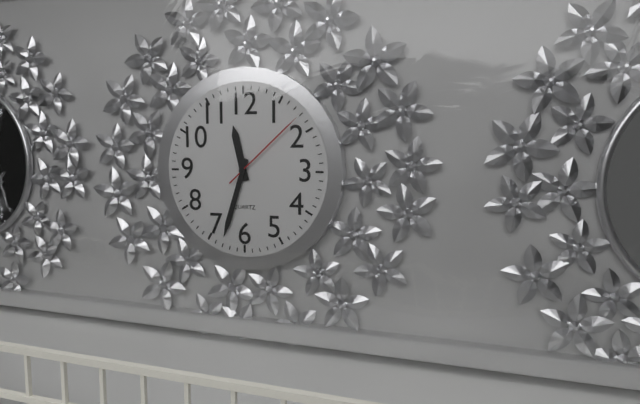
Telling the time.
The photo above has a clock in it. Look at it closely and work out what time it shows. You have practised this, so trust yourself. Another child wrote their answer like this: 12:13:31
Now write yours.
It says 11:33:08
